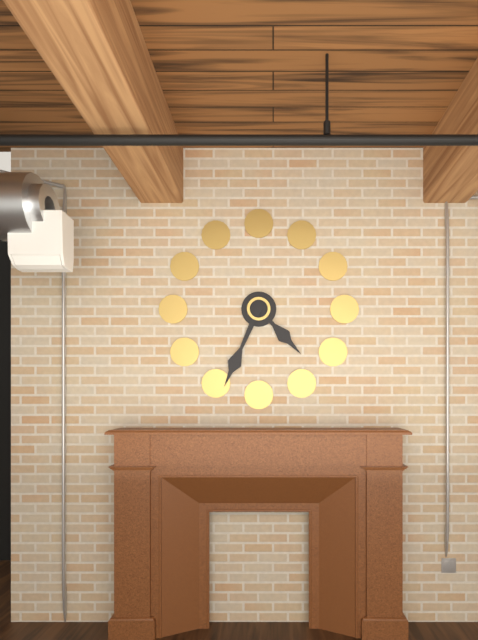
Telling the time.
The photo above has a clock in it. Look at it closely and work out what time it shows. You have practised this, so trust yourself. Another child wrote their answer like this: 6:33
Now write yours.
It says 4:34
